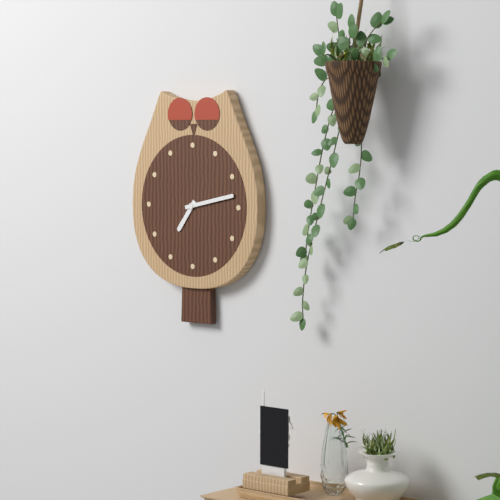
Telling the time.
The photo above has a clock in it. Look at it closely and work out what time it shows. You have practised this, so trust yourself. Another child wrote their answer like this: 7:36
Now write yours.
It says 7:13
